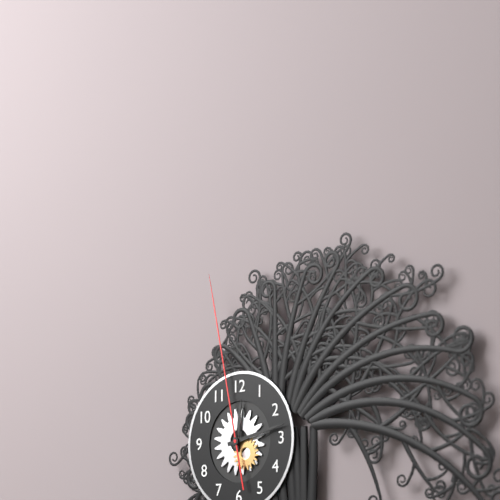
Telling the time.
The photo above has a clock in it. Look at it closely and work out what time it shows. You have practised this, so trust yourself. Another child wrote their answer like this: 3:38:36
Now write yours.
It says 12:13:58
